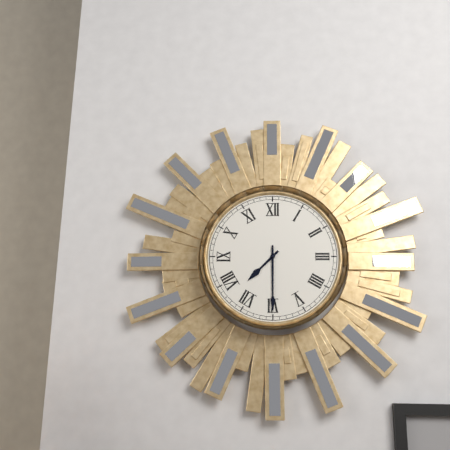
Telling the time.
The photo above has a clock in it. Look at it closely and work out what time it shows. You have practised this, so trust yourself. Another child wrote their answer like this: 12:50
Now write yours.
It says 7:30
